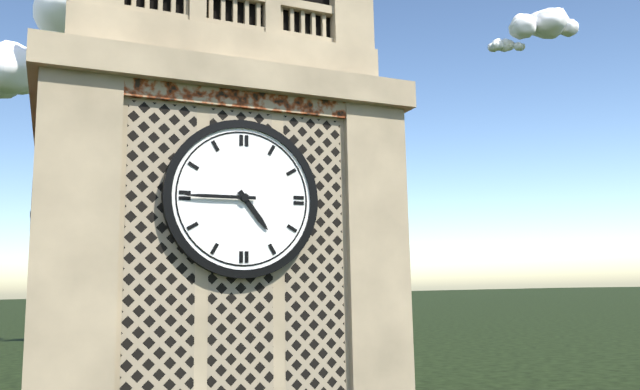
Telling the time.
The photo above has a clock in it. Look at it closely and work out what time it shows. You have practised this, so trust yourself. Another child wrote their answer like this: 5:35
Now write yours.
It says 4:45
